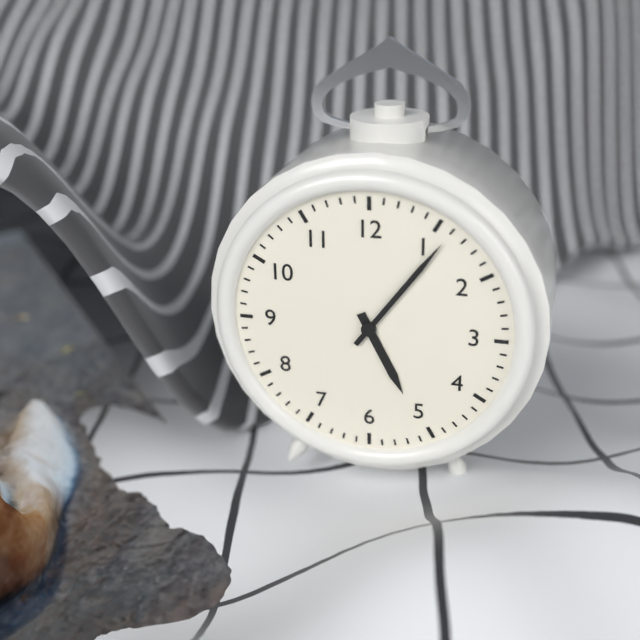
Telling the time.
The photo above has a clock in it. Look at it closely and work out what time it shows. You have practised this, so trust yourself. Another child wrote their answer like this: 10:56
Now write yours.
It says 5:06
